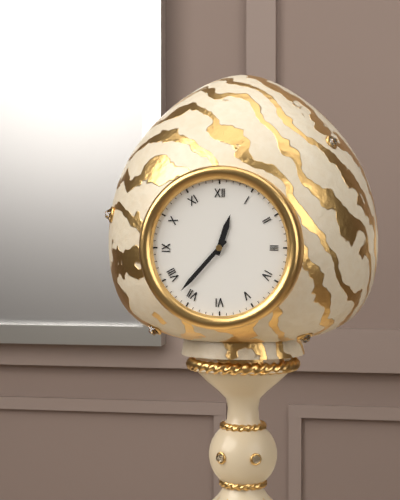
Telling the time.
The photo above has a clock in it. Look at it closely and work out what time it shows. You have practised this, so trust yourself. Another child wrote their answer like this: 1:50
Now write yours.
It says 12:37
